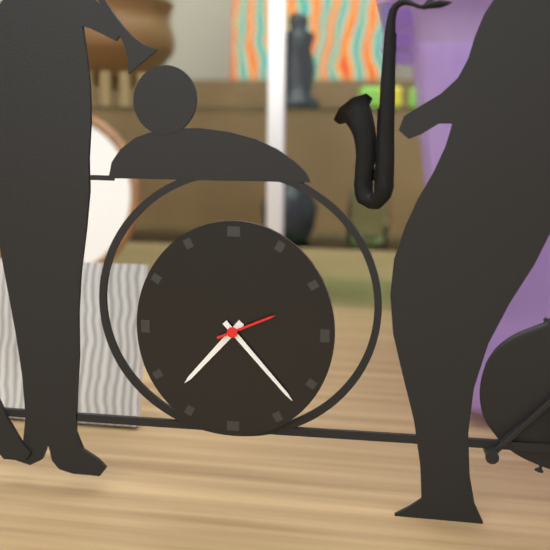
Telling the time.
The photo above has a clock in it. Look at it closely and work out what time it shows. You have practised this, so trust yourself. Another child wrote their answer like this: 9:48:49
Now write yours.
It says 7:23:11
